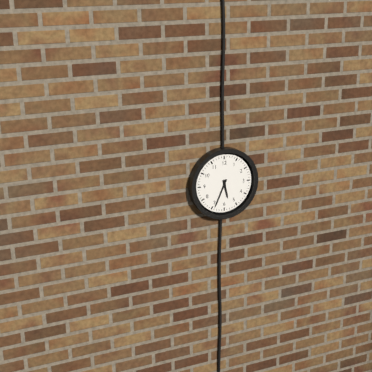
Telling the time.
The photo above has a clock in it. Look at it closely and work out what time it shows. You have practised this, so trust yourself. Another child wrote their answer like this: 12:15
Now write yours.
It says 5:34
